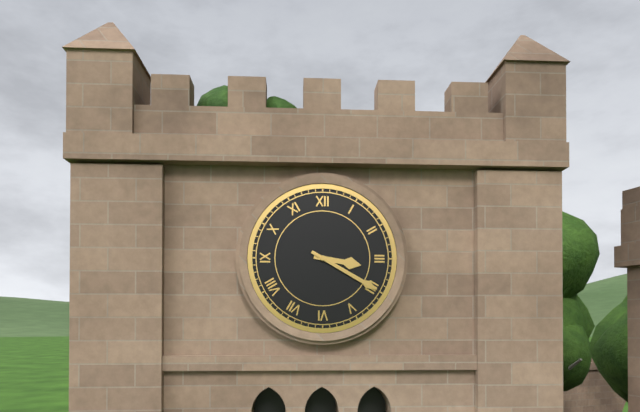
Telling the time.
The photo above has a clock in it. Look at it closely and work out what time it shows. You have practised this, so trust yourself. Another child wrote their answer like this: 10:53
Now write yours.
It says 3:20
